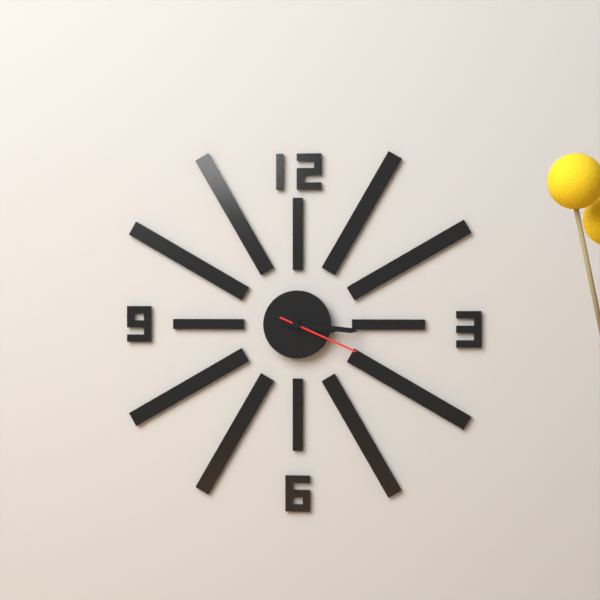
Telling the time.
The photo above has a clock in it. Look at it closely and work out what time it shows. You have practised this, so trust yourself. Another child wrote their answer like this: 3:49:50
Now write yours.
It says 3:16:19
